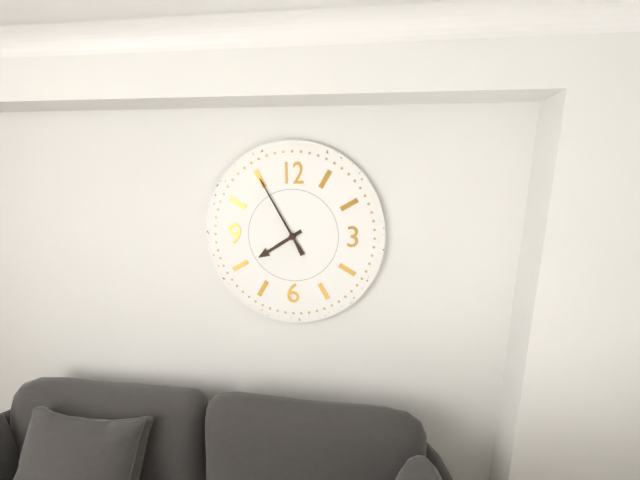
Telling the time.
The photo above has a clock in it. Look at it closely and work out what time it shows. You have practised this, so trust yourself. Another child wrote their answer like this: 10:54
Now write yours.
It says 7:55
